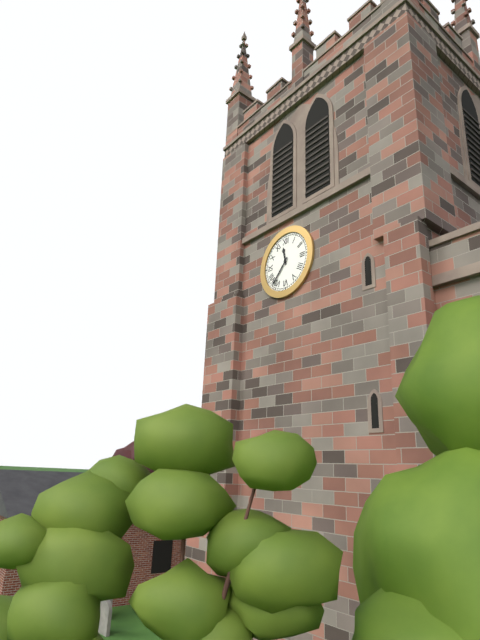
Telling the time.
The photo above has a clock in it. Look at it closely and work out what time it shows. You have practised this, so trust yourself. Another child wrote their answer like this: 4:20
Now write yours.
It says 11:37
